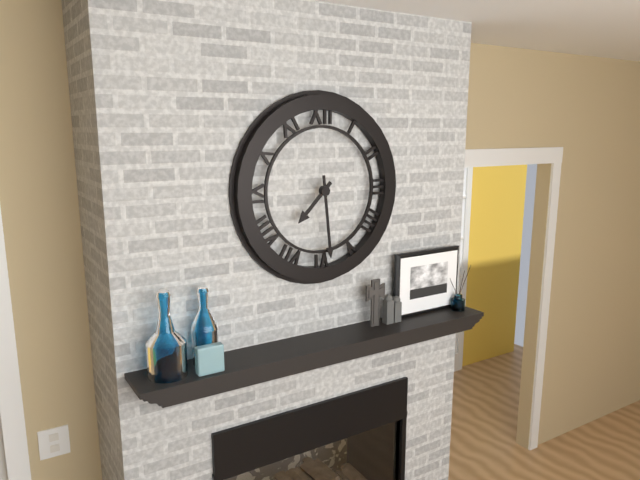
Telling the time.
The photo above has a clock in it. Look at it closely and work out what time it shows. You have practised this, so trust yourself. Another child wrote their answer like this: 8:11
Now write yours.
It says 7:29
